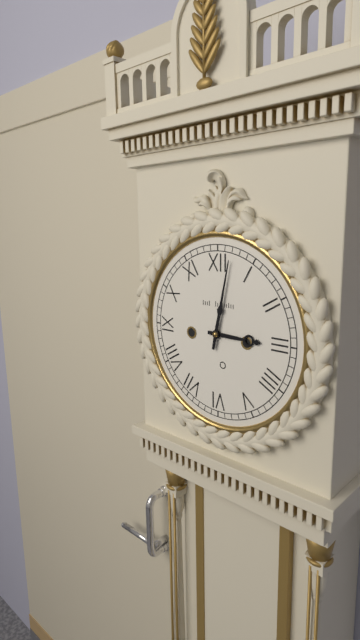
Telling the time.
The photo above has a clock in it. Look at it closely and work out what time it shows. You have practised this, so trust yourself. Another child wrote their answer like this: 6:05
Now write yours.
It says 3:02
